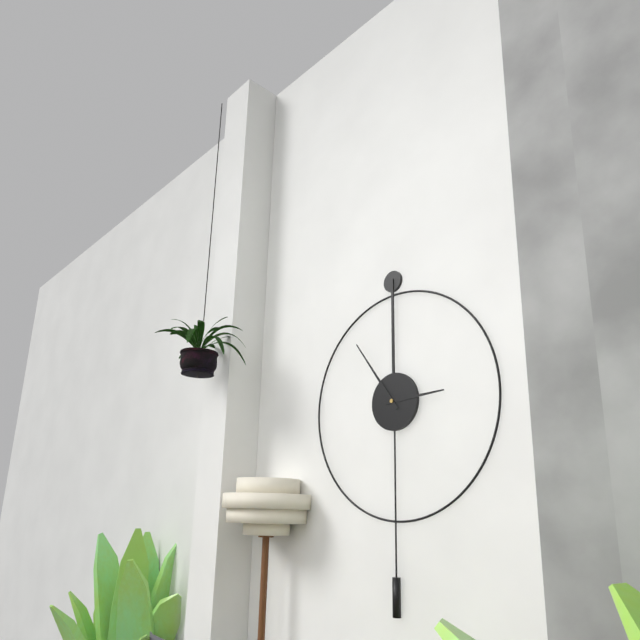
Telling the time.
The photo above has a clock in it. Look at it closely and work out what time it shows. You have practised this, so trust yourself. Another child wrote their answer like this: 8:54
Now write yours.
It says 2:54
